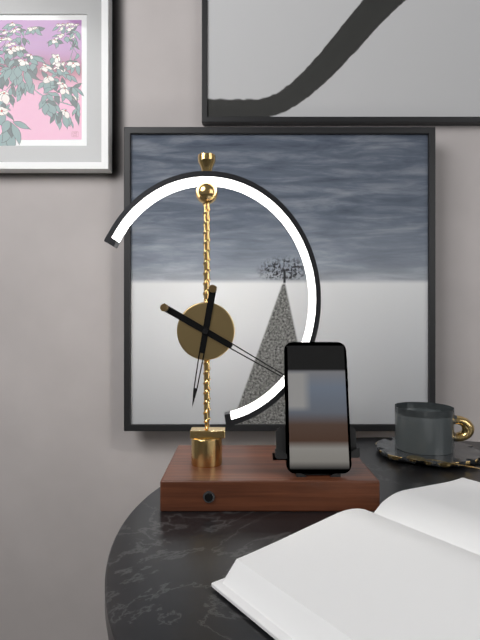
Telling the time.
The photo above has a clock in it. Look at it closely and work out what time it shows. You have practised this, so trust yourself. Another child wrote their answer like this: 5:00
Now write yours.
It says 6:20
